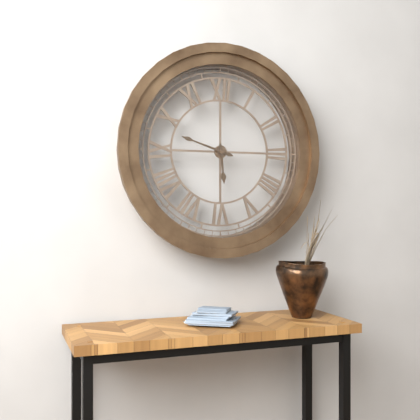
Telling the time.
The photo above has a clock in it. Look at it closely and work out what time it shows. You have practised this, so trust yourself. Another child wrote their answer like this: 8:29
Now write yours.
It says 5:48
